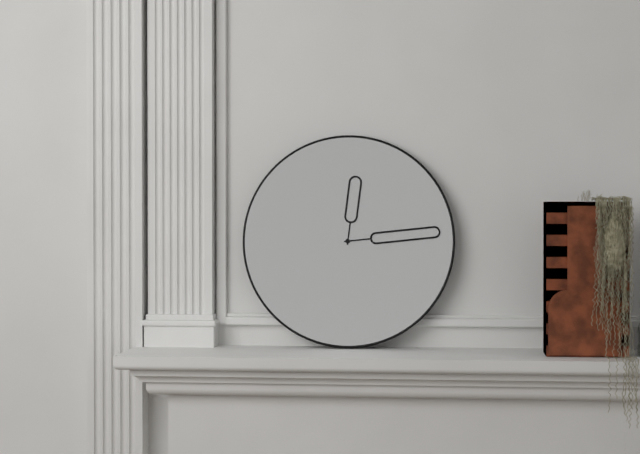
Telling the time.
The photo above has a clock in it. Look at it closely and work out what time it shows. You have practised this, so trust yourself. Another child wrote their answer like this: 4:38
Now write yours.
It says 12:14
